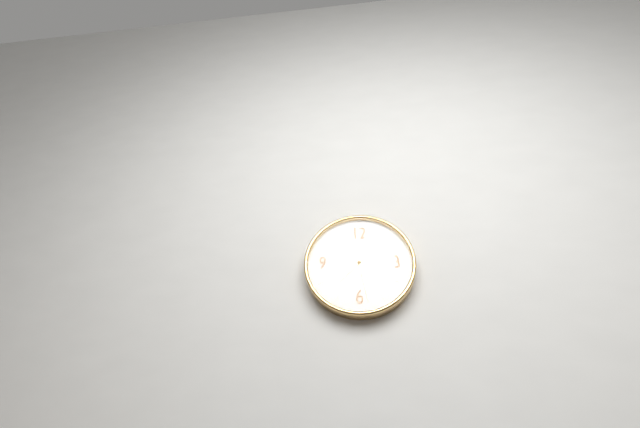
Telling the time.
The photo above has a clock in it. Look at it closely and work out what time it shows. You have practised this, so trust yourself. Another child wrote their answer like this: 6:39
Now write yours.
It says 7:28
